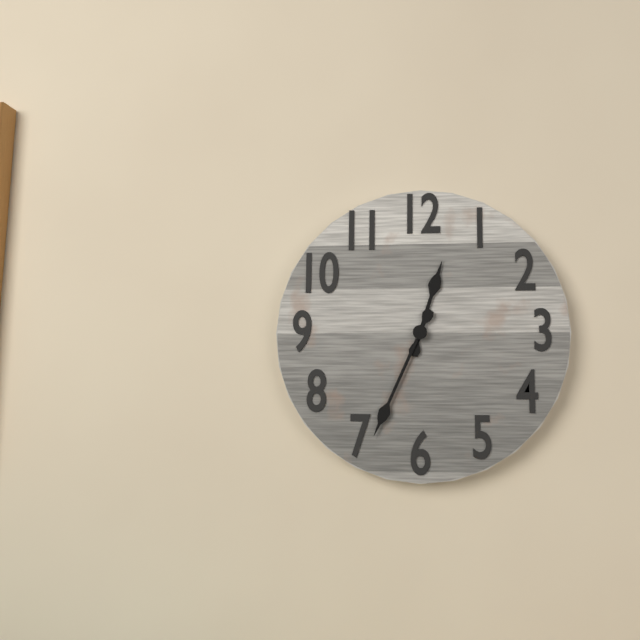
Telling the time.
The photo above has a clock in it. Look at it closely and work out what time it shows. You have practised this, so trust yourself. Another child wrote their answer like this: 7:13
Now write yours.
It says 12:34
